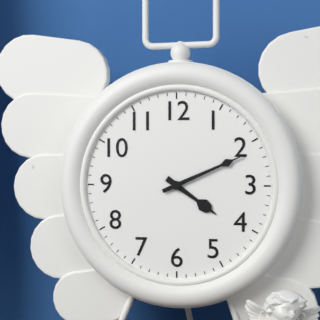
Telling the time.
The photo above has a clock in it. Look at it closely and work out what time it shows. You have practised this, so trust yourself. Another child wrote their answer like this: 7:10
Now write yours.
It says 4:11
